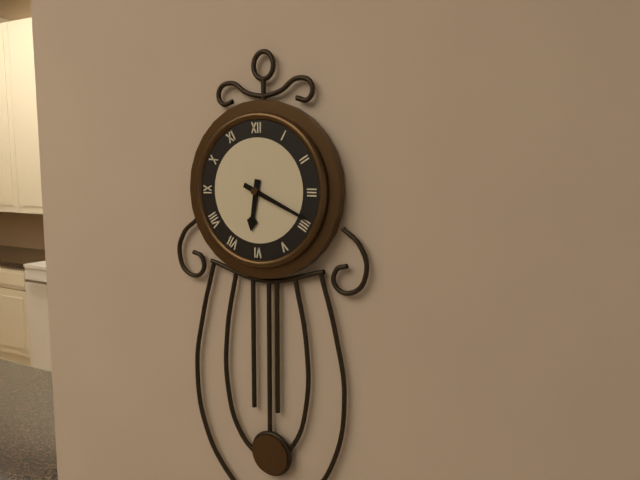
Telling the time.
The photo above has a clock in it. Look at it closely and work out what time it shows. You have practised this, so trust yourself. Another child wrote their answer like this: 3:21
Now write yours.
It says 6:19
